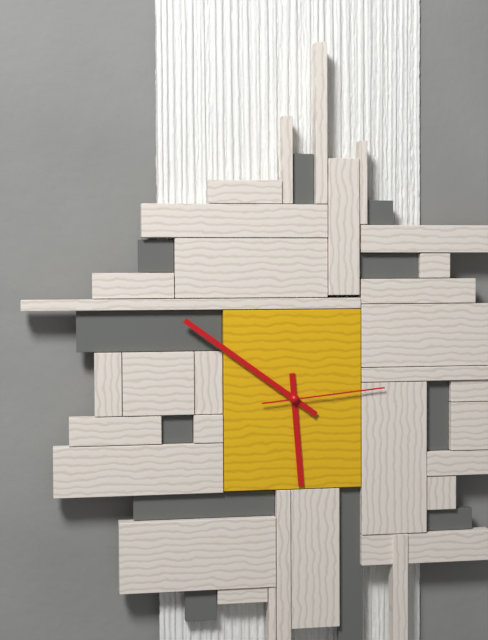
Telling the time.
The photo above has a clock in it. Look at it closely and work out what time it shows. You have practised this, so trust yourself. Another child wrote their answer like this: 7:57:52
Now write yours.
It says 5:51:14
